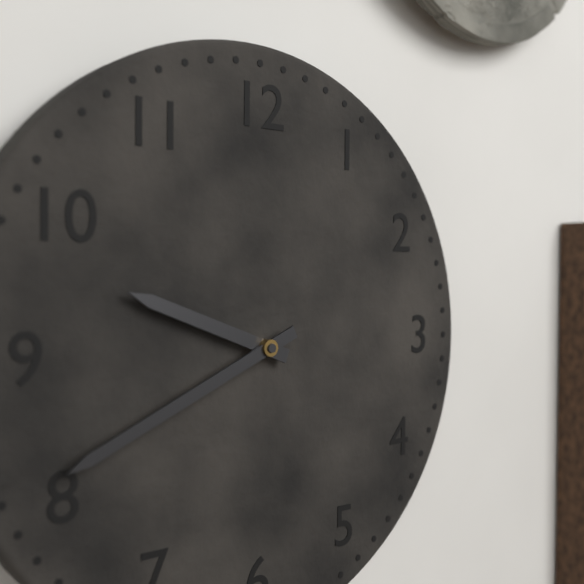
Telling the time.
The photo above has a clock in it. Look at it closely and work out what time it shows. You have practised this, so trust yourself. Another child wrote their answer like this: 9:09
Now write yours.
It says 9:41
